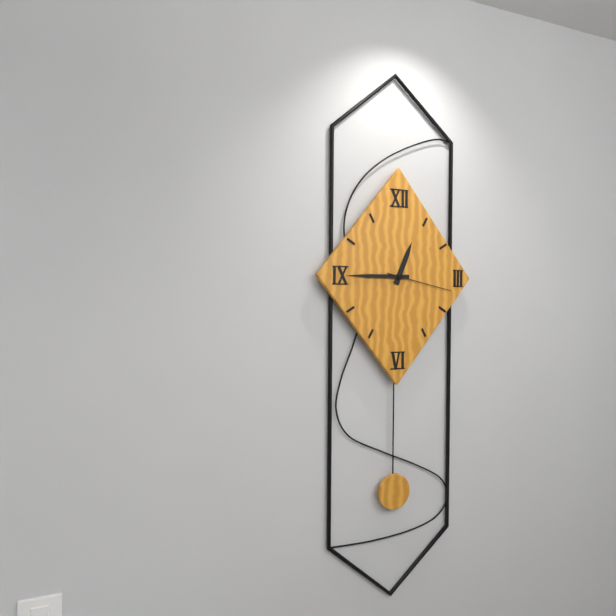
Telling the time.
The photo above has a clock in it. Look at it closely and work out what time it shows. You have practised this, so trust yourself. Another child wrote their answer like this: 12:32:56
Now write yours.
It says 12:45:17
